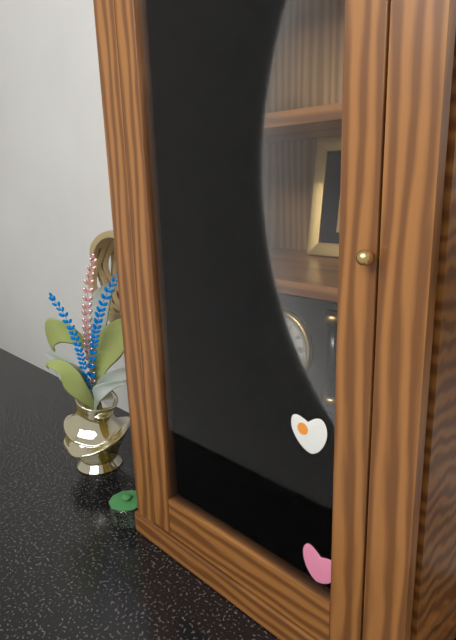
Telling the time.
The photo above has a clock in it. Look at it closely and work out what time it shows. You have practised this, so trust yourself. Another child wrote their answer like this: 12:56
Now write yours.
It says 3:45
